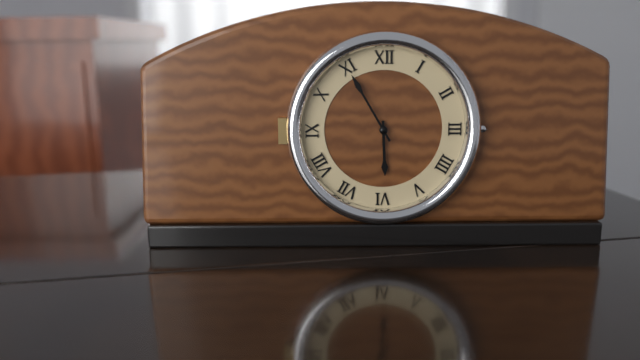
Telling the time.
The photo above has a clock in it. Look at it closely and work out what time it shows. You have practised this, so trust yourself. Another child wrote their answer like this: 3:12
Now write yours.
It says 5:55
